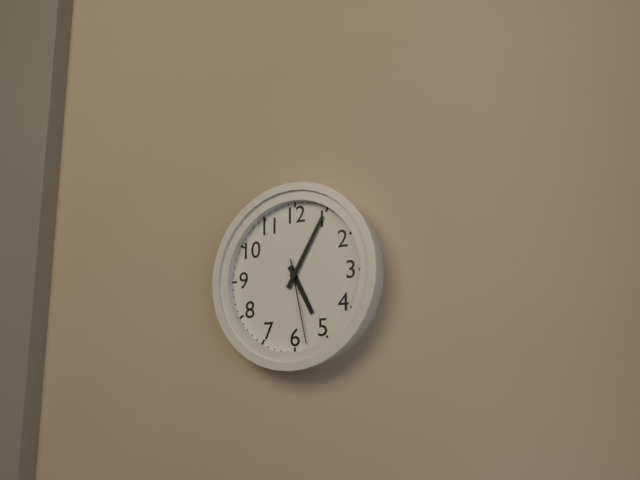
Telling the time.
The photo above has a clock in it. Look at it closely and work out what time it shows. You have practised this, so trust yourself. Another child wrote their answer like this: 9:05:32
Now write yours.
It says 5:05:28
